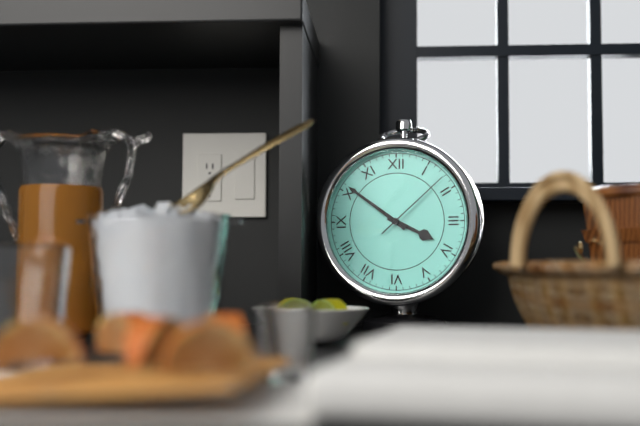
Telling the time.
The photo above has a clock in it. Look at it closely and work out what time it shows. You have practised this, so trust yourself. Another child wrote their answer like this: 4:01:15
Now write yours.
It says 3:51:08
